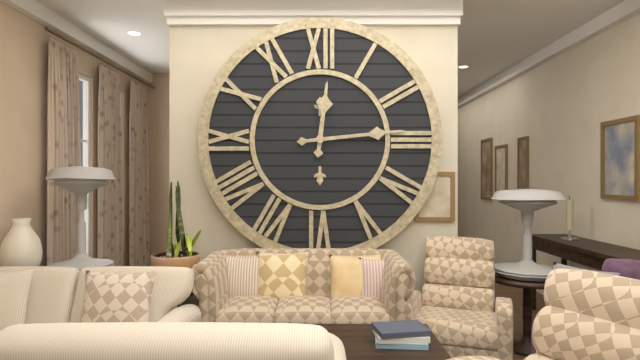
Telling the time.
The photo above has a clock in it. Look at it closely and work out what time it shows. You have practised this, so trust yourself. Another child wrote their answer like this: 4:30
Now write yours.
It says 12:14
